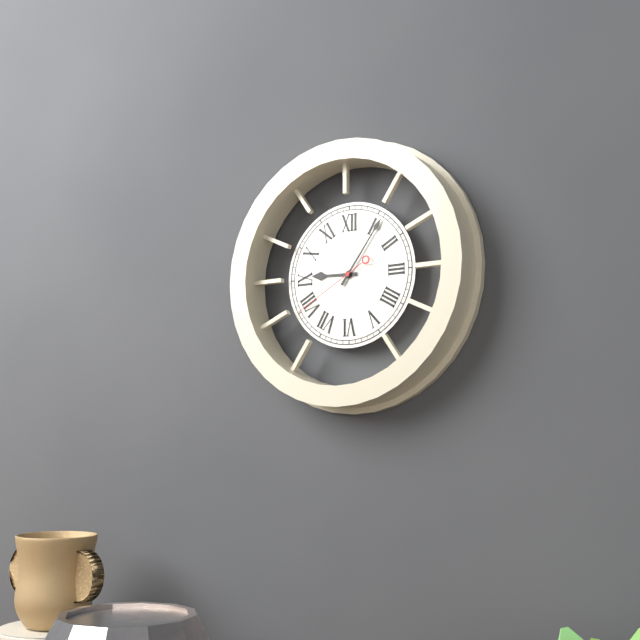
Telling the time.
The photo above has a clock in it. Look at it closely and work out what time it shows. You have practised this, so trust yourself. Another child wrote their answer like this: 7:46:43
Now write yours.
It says 9:06:40
